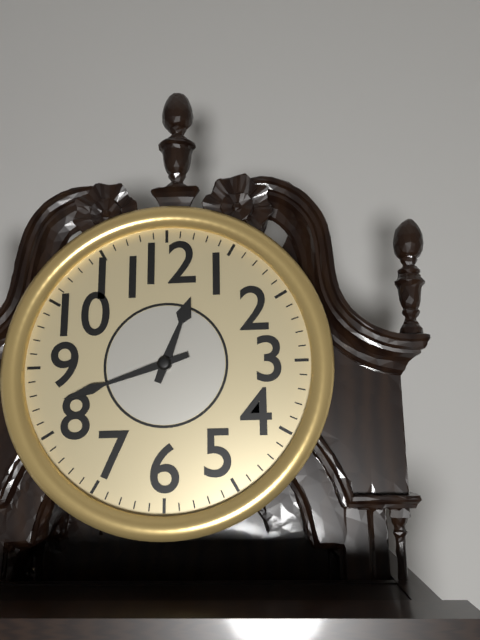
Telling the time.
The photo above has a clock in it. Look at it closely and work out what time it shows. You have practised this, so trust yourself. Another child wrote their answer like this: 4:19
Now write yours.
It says 12:42
